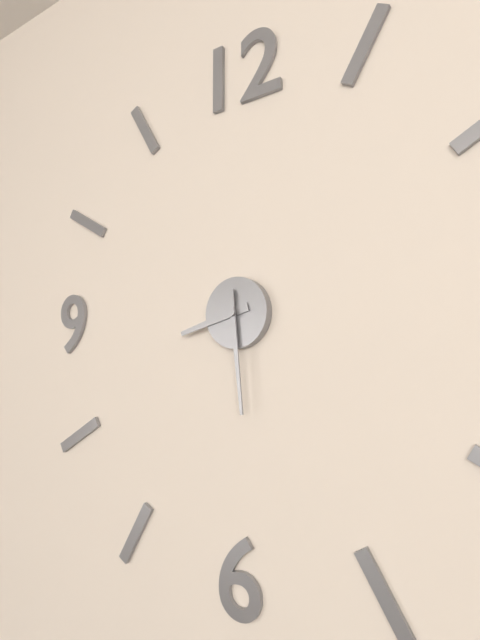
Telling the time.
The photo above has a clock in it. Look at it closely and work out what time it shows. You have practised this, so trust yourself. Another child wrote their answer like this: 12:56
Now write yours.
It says 8:29
